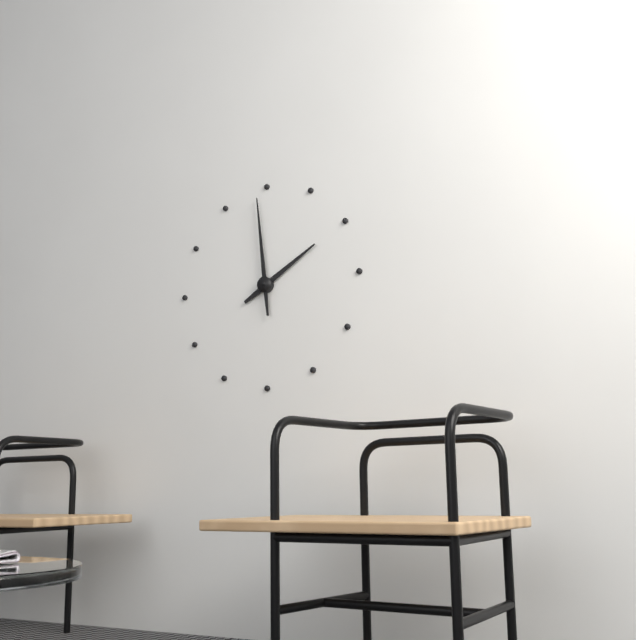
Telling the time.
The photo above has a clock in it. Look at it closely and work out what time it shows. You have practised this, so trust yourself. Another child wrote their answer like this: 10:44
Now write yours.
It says 1:59
